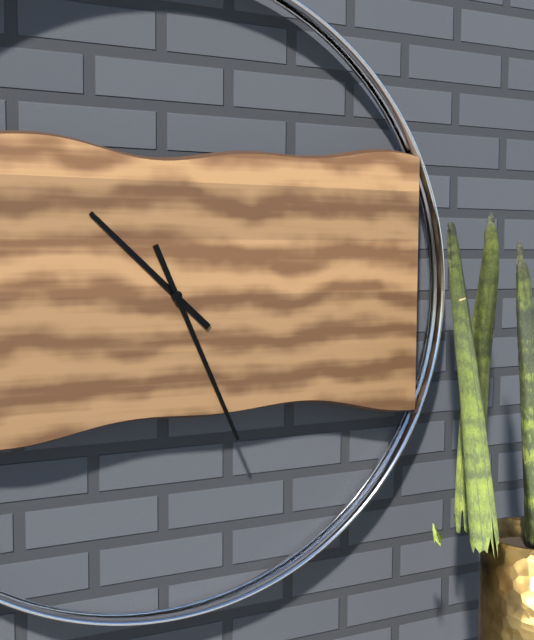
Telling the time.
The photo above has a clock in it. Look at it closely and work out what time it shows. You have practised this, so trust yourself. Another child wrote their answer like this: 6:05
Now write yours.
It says 10:26
